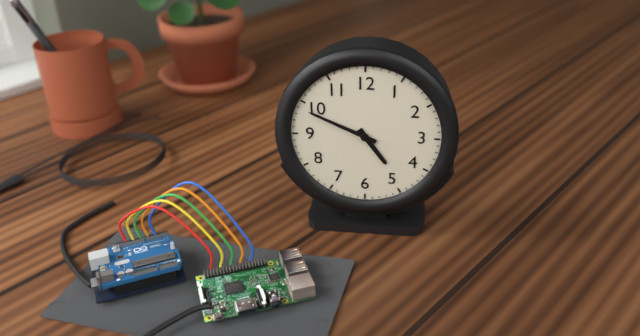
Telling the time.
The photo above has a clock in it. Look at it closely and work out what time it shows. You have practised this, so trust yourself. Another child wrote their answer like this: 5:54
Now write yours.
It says 4:49
